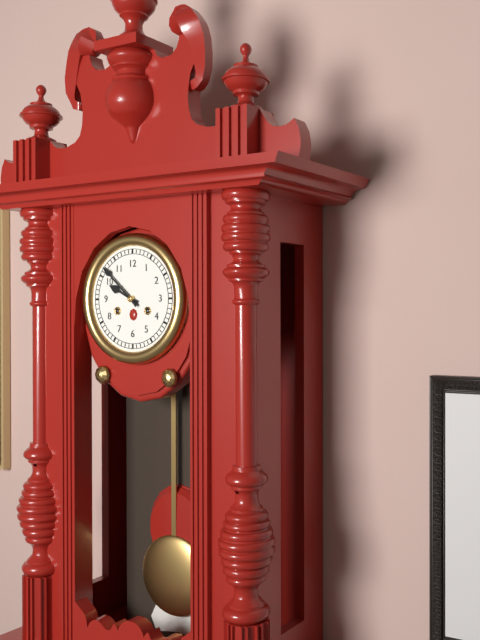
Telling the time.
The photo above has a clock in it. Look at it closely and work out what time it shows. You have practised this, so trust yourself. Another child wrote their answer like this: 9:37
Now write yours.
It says 9:52
